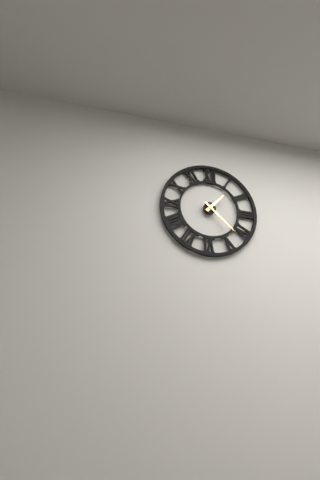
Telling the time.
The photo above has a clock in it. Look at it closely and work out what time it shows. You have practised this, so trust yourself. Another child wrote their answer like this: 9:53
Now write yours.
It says 1:22
